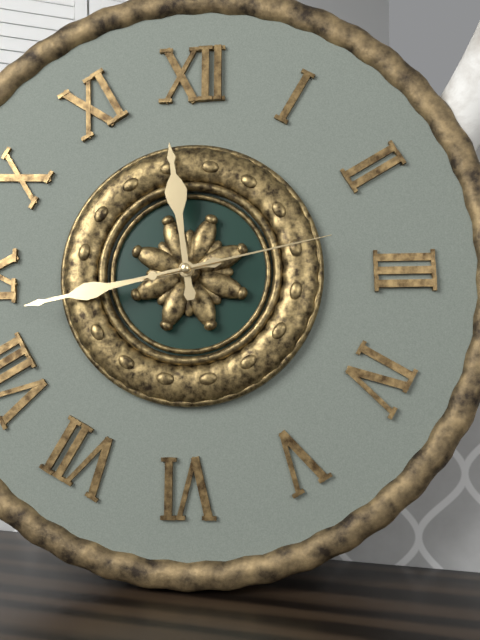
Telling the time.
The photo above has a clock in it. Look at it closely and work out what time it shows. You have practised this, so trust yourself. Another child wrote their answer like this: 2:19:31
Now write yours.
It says 11:43:13
